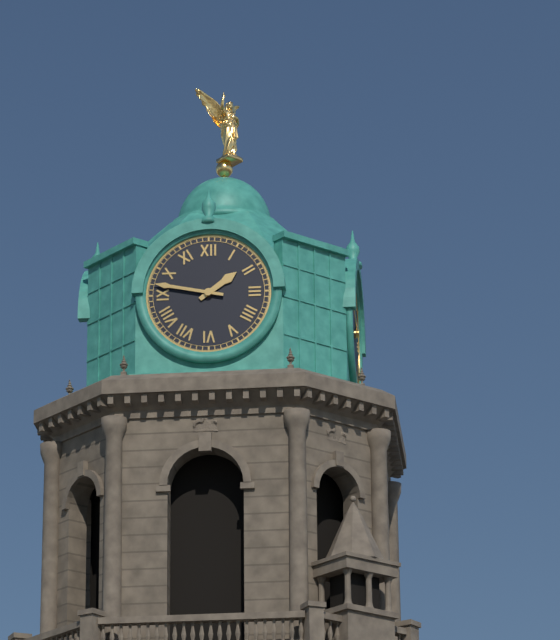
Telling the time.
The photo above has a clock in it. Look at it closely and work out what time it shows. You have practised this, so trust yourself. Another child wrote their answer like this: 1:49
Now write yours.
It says 1:47
